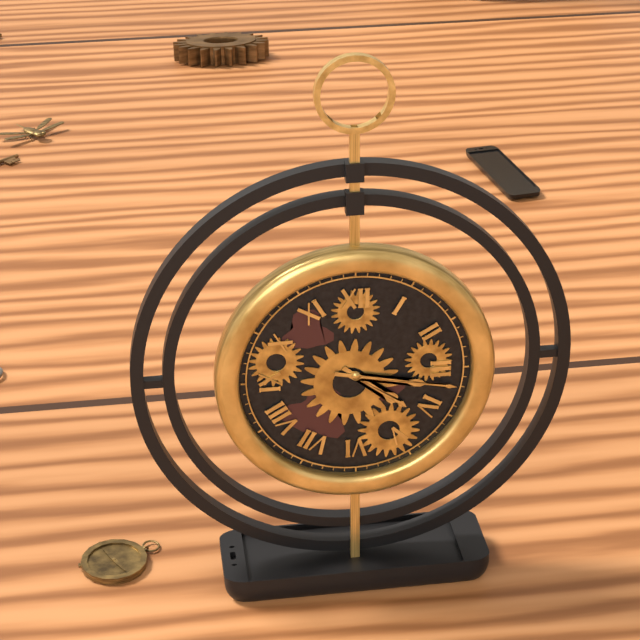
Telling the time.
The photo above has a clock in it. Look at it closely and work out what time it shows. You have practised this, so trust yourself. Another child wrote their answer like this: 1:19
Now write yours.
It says 4:17
